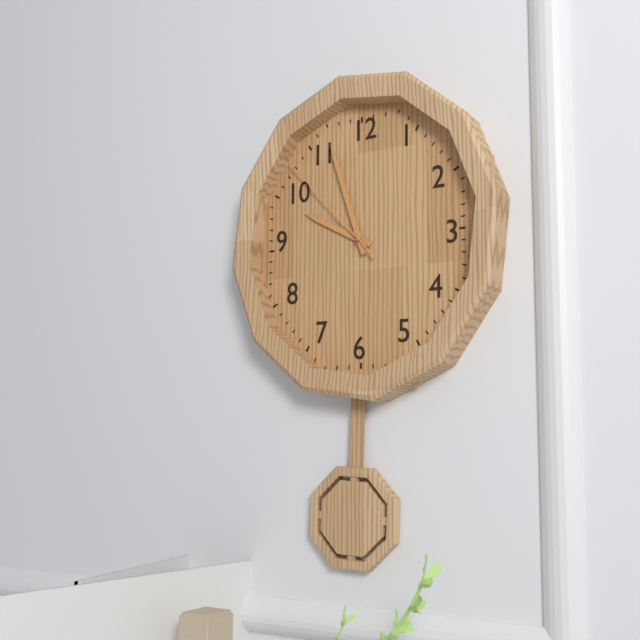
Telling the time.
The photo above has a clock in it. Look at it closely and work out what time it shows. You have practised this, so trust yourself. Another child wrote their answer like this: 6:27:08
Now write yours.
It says 9:57:53
